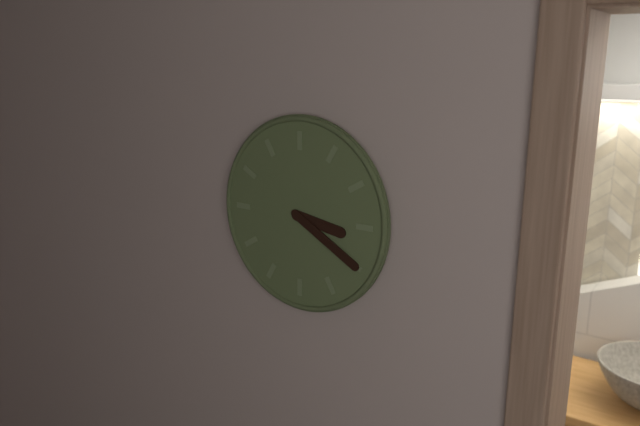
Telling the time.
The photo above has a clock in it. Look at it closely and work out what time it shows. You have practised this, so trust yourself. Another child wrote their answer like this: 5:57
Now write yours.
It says 3:20
